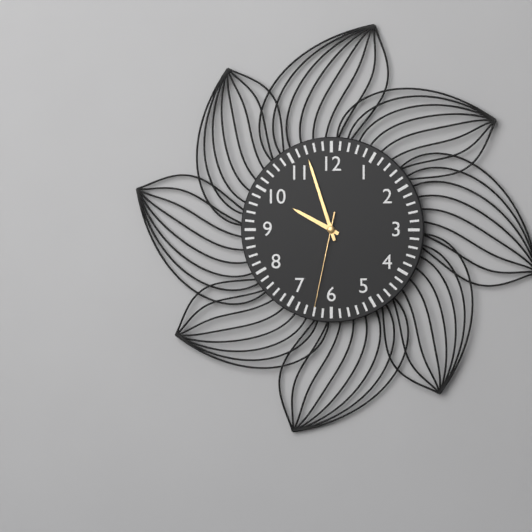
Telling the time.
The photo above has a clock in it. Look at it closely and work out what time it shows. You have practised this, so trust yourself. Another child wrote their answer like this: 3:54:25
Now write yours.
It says 9:57:32
